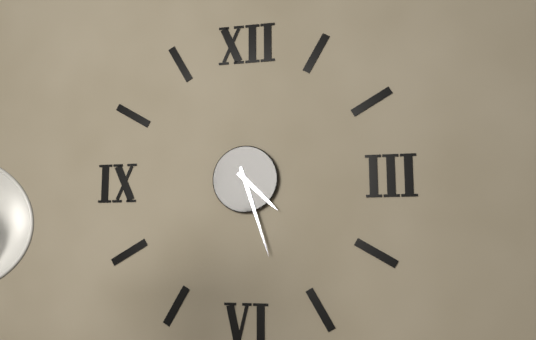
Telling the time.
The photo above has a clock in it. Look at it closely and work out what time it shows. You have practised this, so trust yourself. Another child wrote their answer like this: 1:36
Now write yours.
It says 4:27
